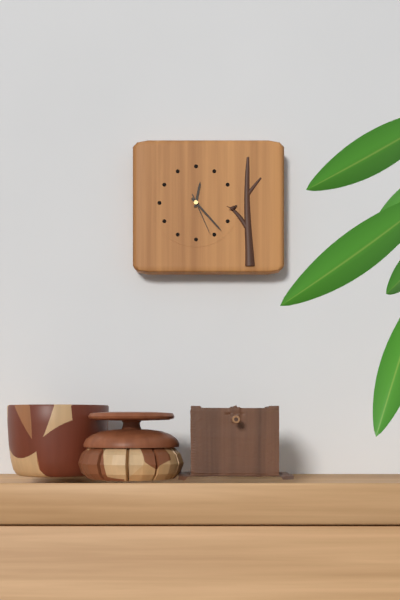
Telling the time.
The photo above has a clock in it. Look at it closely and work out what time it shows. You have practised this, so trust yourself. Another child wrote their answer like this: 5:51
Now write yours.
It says 12:23
